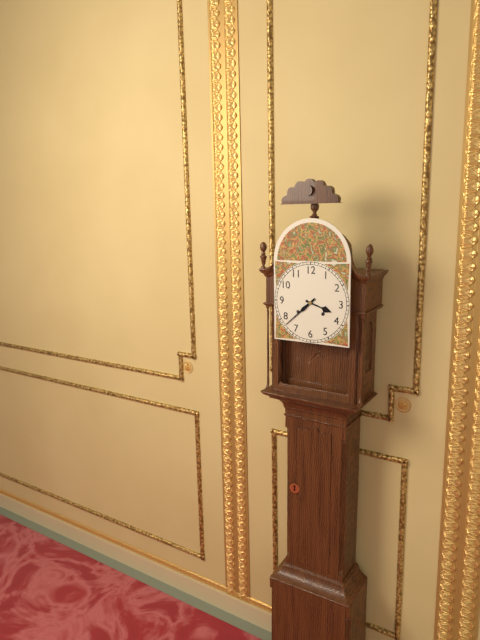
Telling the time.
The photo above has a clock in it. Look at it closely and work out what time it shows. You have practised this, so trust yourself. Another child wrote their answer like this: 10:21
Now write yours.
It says 3:38
